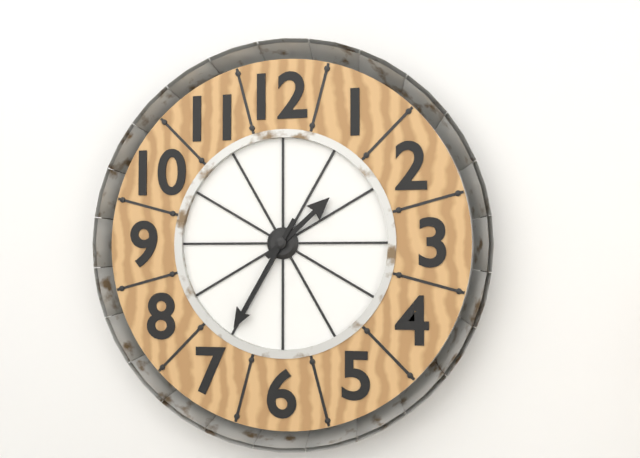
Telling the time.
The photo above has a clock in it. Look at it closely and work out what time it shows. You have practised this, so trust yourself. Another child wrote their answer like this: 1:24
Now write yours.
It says 1:35
